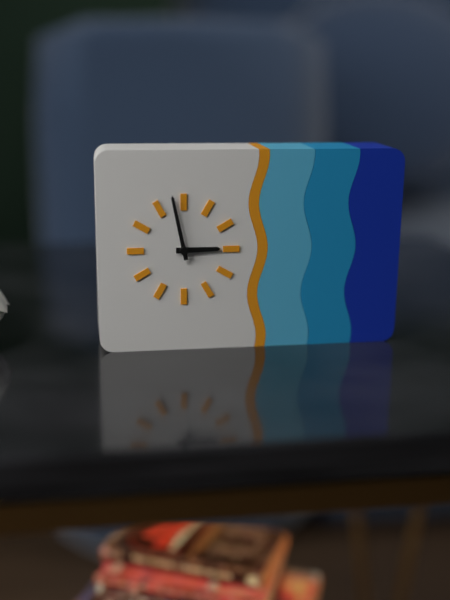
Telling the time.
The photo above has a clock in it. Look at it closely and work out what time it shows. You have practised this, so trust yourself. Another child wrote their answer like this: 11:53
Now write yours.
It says 2:58
